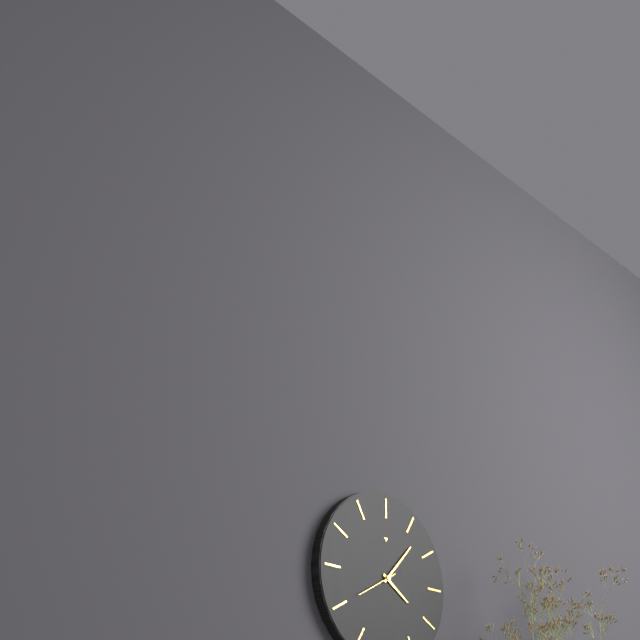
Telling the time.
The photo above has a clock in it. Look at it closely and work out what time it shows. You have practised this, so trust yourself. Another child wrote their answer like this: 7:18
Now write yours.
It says 4:07
